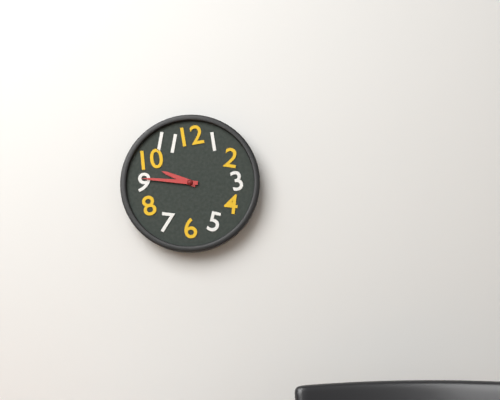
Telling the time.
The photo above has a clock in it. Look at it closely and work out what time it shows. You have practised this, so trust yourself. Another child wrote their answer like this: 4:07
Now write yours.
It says 9:46
